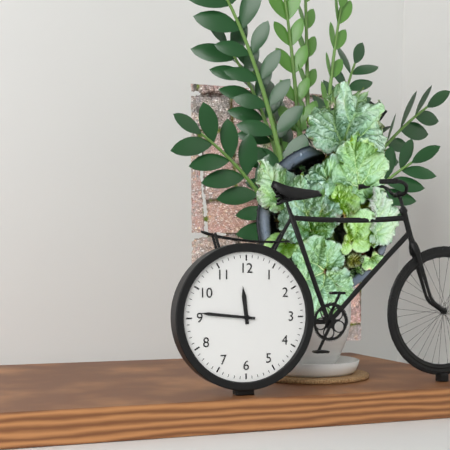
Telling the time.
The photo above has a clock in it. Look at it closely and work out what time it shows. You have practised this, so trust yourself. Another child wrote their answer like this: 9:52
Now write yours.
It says 11:46
